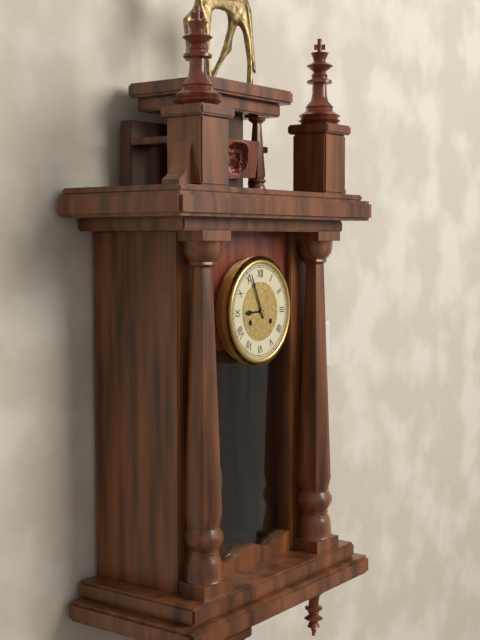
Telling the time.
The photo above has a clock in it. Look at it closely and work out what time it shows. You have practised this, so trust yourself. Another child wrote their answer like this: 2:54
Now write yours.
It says 8:56
